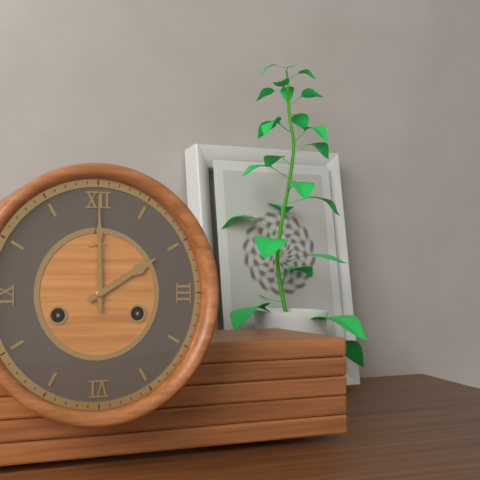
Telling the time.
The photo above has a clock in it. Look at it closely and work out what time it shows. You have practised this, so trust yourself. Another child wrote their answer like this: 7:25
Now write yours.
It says 2:00
